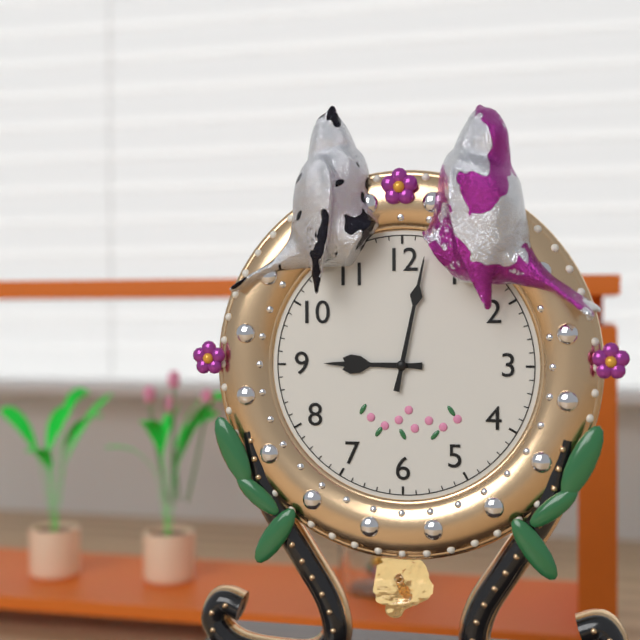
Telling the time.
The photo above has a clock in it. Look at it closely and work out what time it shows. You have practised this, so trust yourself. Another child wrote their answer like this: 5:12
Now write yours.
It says 9:02
